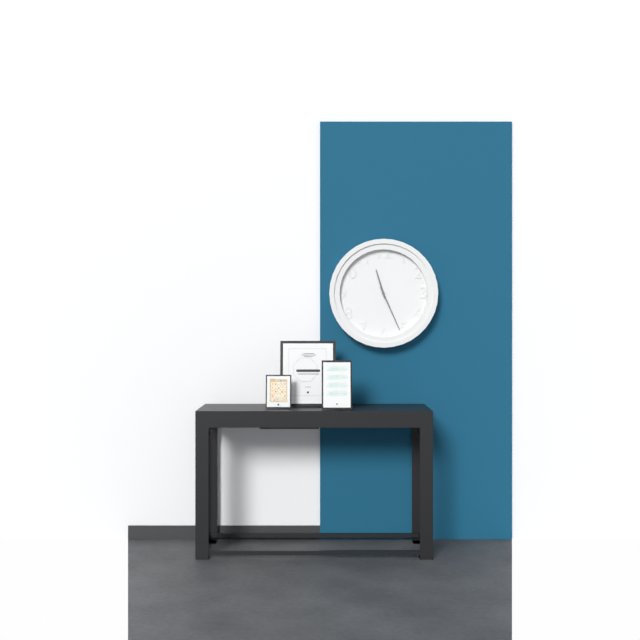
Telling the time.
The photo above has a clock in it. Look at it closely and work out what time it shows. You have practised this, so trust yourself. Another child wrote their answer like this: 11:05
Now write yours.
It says 11:26
